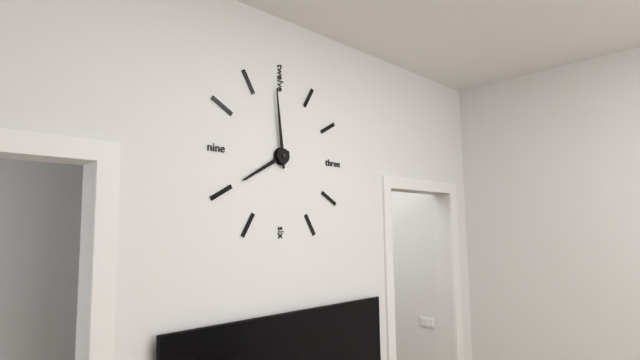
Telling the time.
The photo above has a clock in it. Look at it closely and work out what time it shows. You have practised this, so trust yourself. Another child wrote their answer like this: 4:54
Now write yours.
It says 7:59
